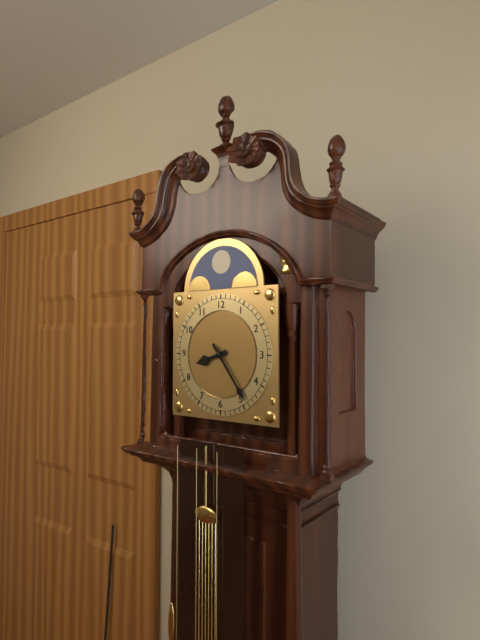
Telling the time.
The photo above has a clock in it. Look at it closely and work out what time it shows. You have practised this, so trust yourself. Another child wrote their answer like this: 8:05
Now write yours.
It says 8:24
